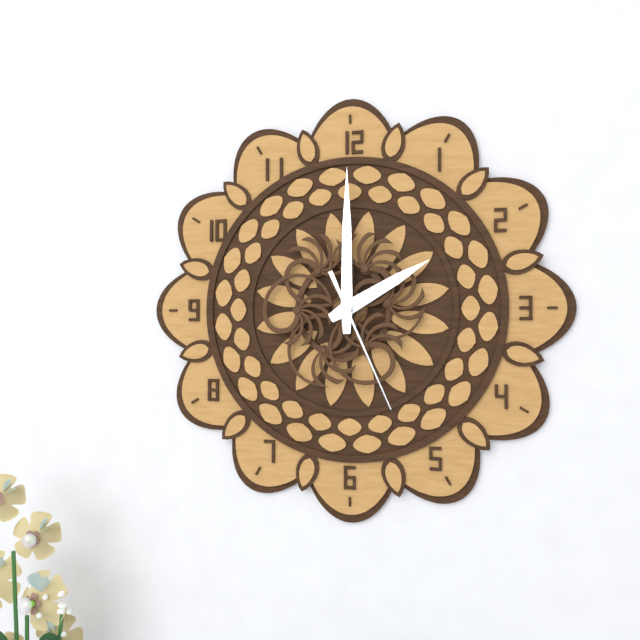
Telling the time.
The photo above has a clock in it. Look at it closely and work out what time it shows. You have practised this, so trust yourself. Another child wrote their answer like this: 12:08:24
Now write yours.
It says 2:00:26
